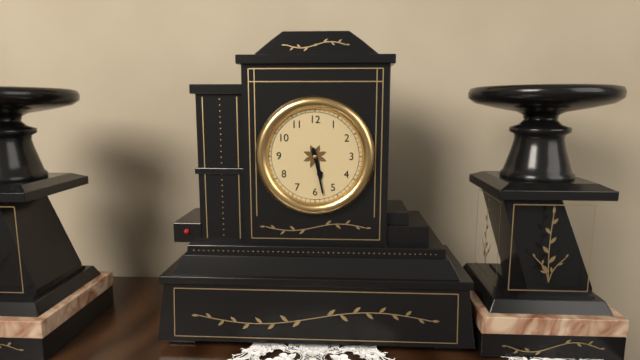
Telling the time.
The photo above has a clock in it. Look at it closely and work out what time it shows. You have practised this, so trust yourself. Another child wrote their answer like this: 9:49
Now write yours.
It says 5:28
